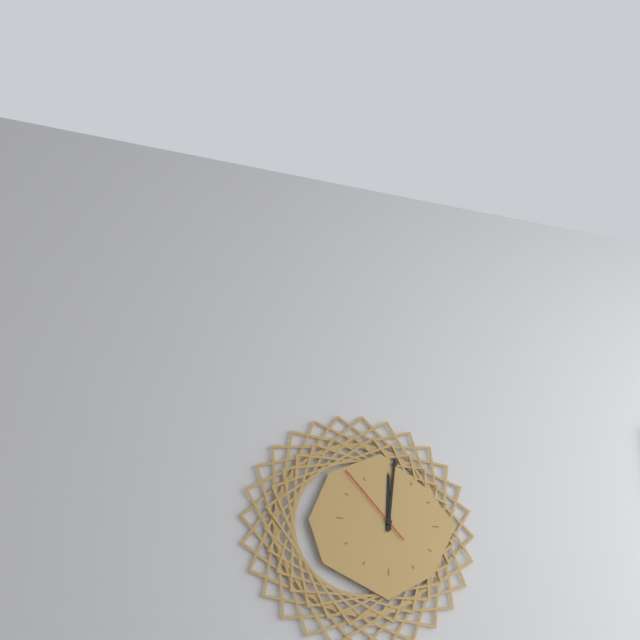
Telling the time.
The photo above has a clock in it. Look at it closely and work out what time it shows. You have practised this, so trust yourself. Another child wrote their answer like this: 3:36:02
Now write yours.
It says 12:01:53
